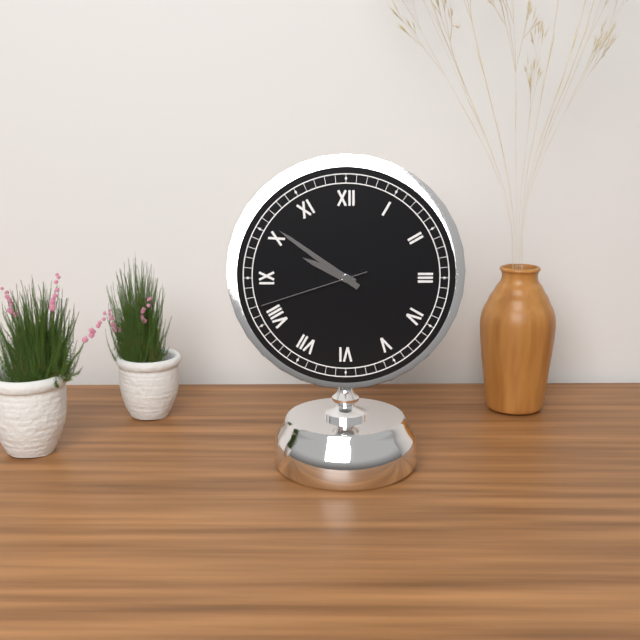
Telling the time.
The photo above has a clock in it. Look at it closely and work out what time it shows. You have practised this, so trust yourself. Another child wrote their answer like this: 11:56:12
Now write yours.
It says 9:51:42
